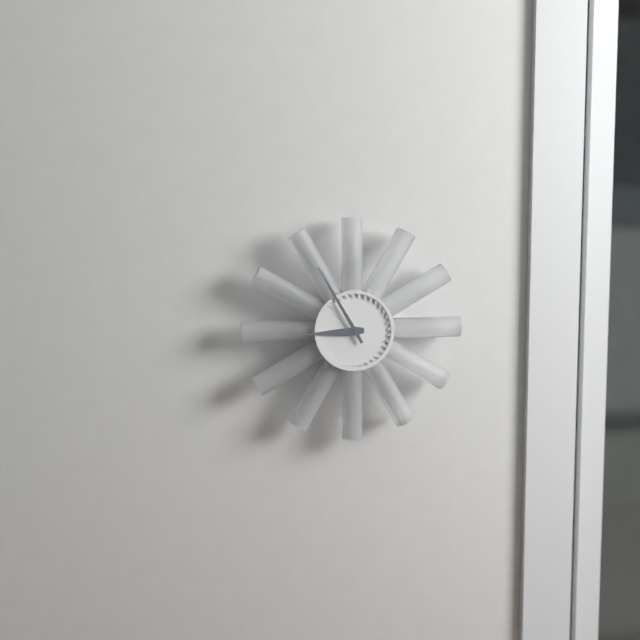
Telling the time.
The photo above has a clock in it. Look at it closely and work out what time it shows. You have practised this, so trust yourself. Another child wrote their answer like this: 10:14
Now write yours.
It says 8:55
